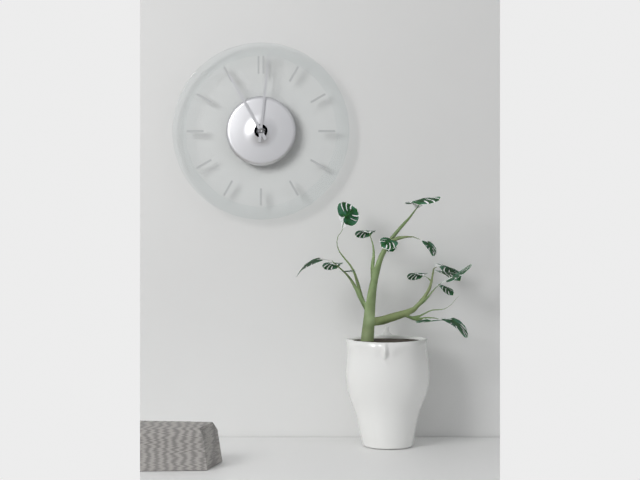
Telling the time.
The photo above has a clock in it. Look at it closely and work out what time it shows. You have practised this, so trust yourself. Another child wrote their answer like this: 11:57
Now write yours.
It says 11:01
